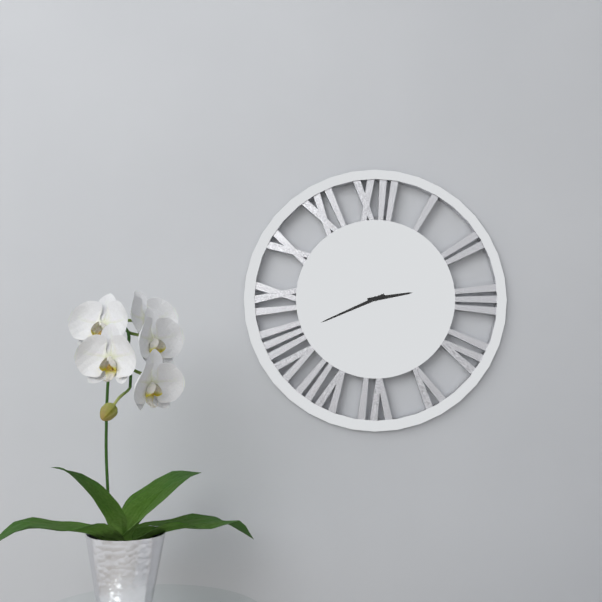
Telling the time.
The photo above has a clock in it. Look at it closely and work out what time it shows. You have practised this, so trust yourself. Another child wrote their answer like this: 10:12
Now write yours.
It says 2:41
